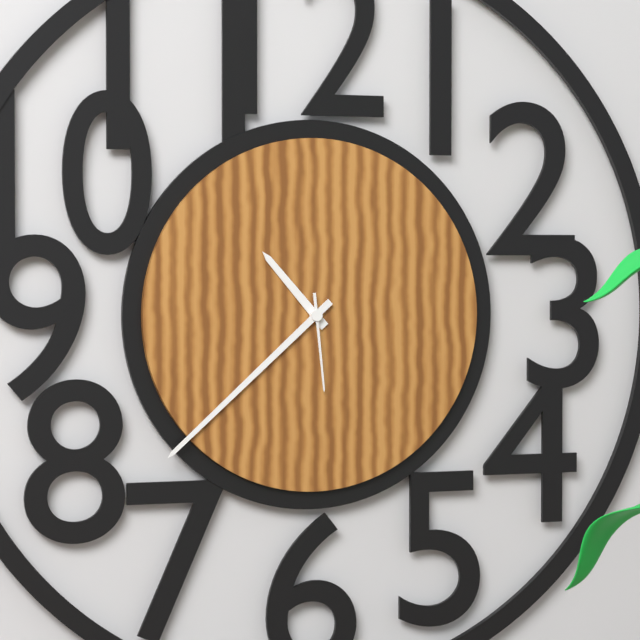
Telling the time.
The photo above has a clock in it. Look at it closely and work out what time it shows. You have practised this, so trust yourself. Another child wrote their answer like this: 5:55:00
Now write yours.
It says 10:38:29
